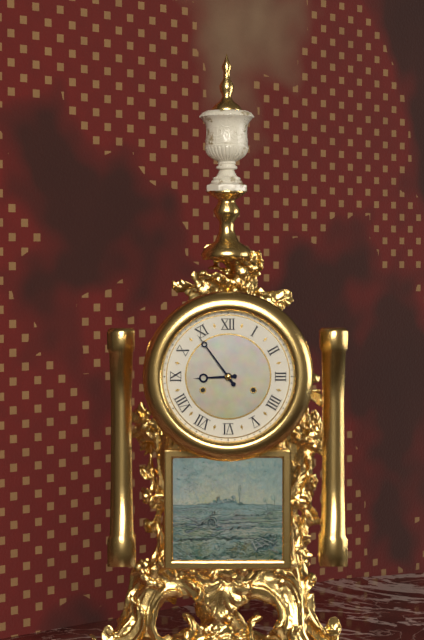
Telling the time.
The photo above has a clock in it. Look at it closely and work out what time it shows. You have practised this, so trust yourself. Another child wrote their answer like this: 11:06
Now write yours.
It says 8:54
